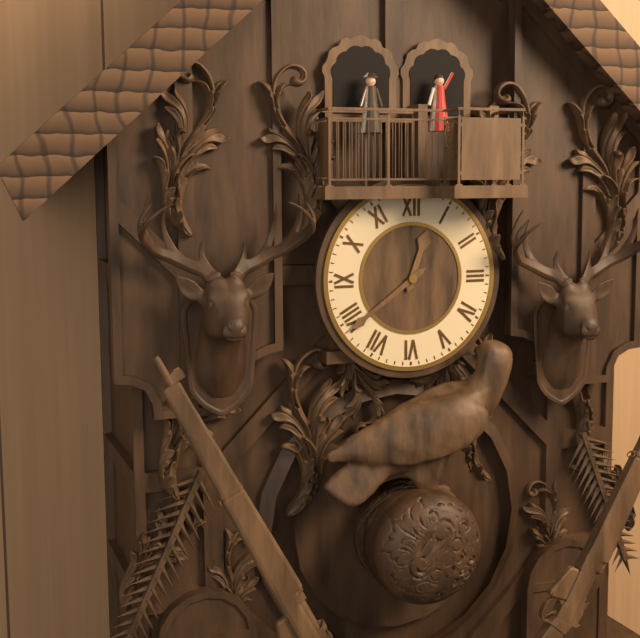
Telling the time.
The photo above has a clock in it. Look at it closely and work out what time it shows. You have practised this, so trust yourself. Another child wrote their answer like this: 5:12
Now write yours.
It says 12:39
